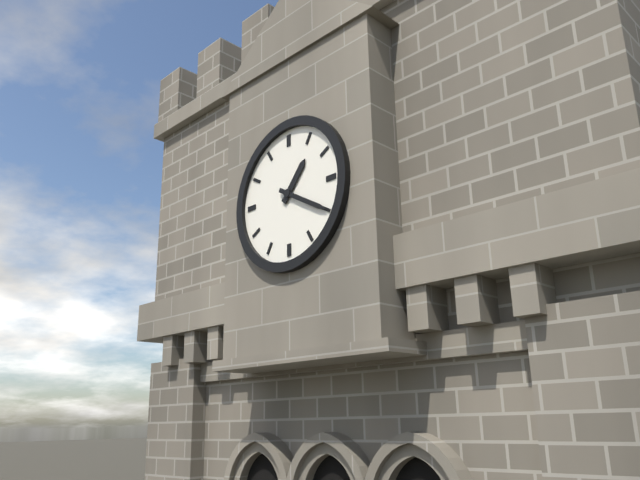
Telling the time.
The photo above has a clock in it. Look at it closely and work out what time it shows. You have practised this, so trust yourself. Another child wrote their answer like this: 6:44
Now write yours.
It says 1:20
